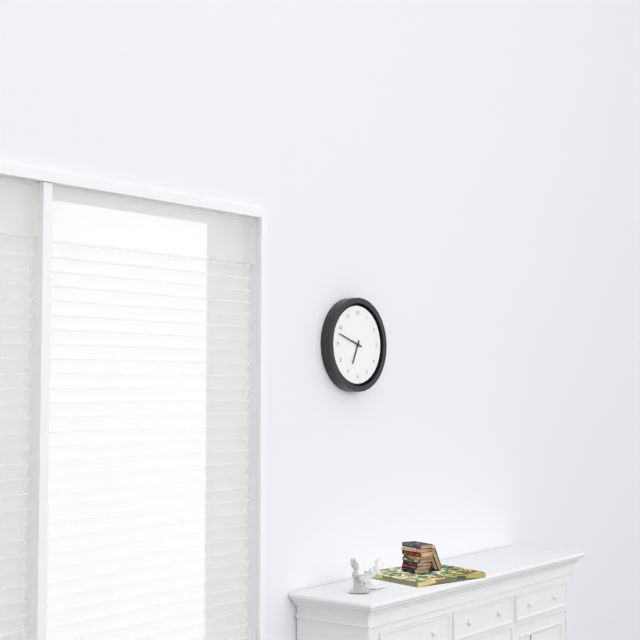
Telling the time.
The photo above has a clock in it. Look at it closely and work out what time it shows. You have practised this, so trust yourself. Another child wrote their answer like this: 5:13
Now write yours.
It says 6:48
